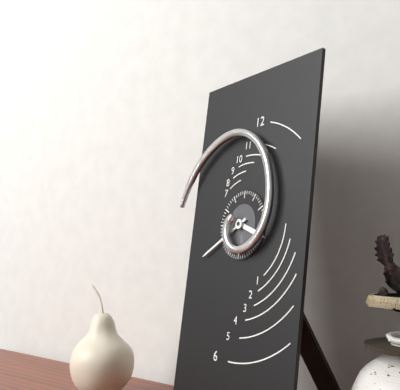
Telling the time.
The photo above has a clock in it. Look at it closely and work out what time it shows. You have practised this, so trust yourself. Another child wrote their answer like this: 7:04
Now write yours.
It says 3:40
